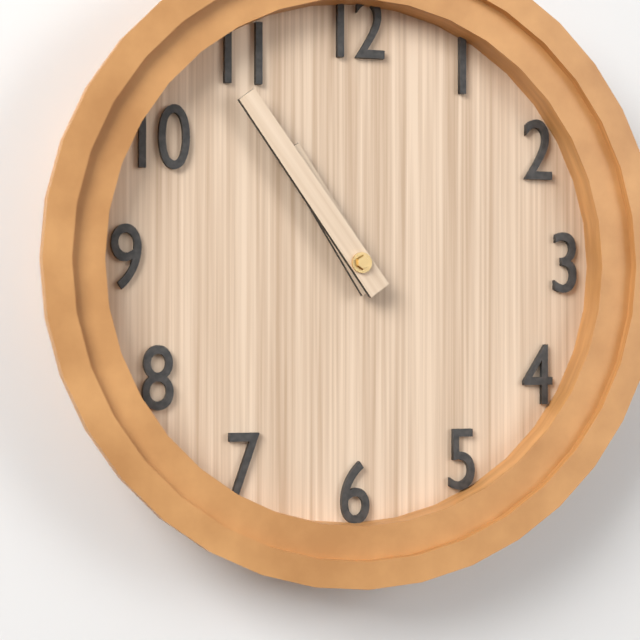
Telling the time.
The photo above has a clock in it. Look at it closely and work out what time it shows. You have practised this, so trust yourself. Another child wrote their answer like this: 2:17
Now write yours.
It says 10:54
